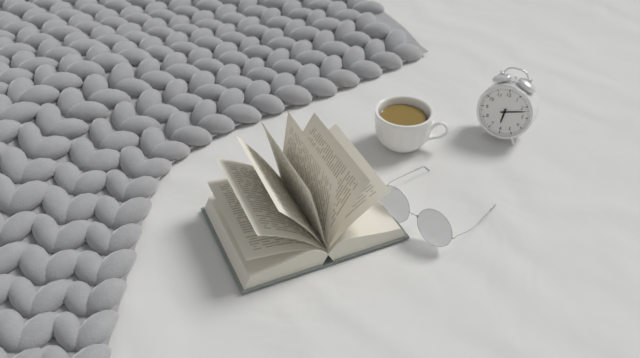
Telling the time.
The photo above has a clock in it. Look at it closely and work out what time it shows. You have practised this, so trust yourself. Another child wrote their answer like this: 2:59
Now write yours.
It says 6:12
